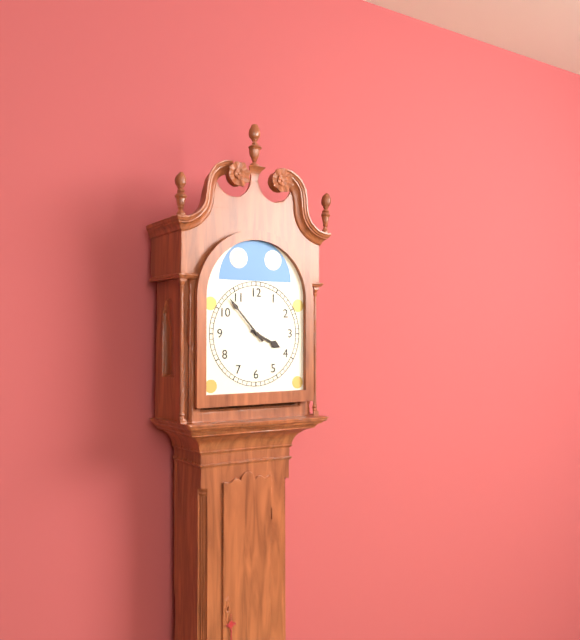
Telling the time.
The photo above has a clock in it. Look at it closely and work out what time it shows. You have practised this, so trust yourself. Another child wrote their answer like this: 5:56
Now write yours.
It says 3:53
